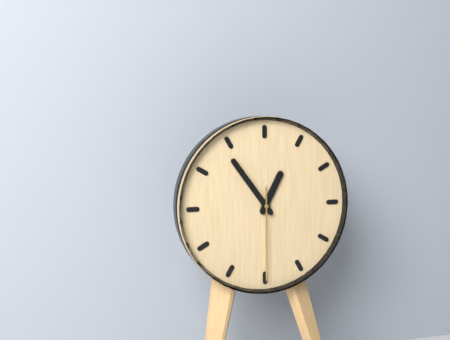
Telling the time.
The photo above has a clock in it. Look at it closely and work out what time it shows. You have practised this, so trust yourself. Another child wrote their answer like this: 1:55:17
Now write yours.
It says 12:54:30
